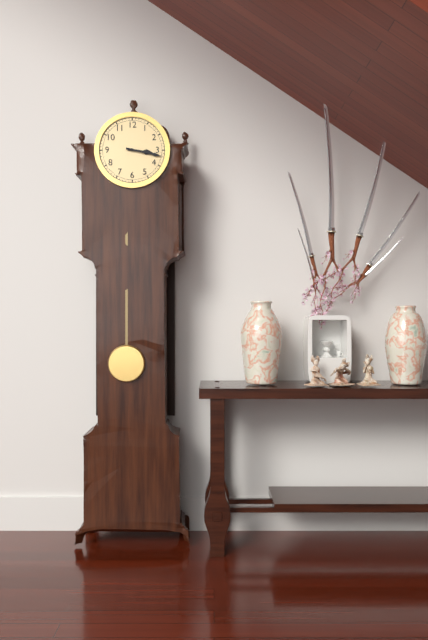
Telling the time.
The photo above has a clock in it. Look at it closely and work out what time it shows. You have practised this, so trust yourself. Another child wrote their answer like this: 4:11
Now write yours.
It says 3:17
